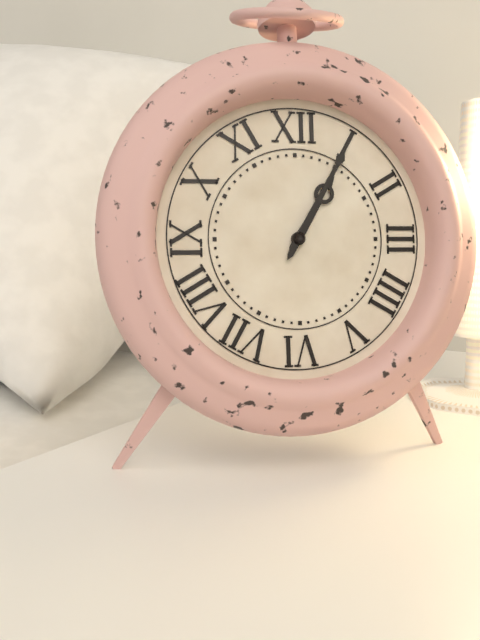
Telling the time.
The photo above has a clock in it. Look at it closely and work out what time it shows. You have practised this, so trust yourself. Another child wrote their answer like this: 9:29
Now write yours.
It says 1:05
